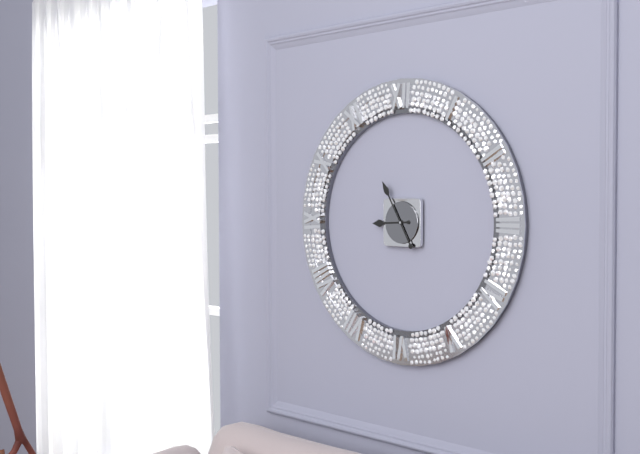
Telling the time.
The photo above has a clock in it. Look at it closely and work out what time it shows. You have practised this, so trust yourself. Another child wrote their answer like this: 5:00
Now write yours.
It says 8:55
